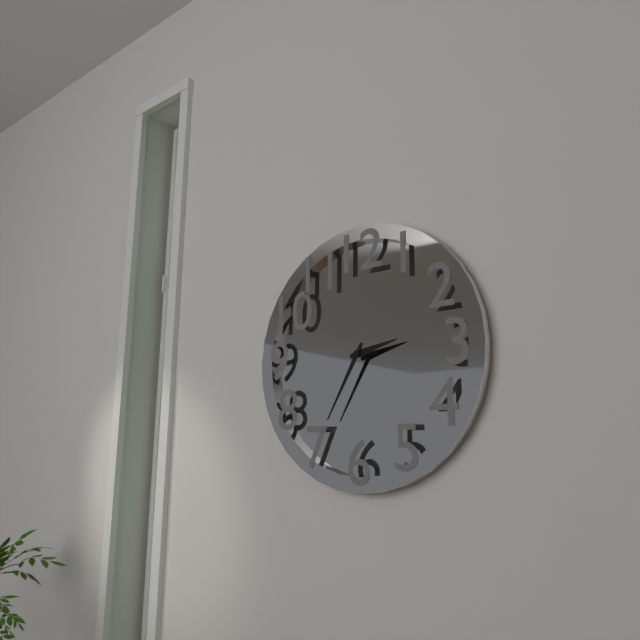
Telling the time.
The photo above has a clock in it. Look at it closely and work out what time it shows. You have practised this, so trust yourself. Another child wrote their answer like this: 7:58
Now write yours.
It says 2:35
